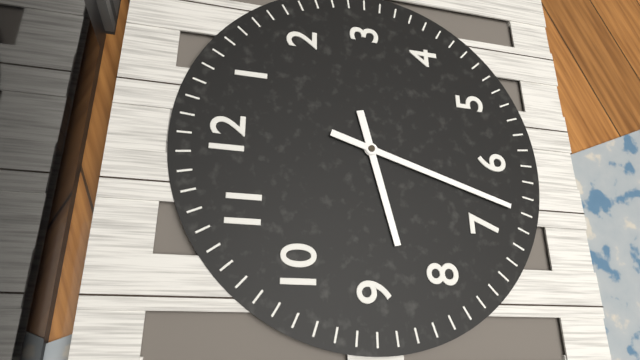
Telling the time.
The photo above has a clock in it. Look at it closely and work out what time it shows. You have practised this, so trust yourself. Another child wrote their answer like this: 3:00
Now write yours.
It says 8:33
